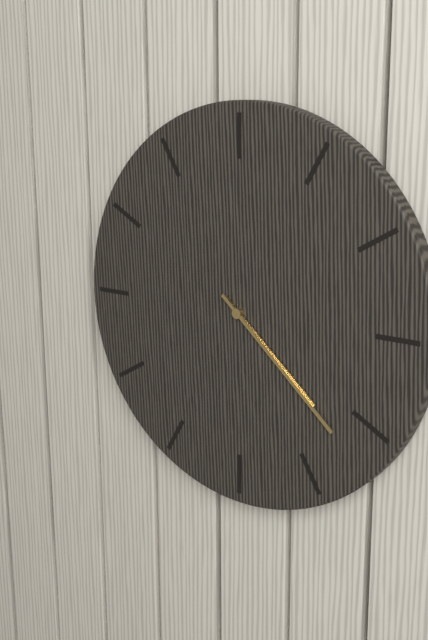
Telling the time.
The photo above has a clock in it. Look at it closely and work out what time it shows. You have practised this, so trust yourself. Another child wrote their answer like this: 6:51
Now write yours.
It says 4:22
